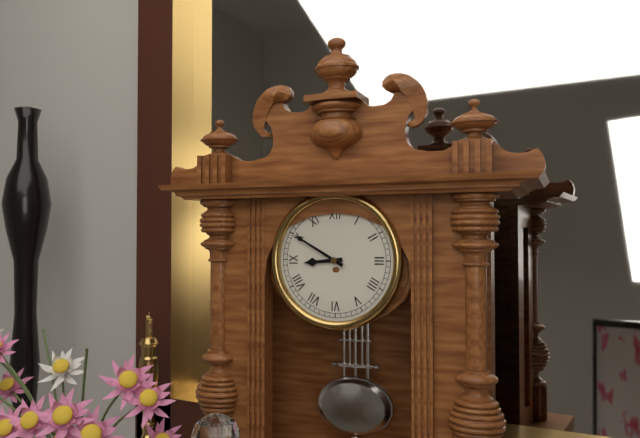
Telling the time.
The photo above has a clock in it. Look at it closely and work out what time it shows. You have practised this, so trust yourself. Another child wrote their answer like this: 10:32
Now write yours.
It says 8:50
